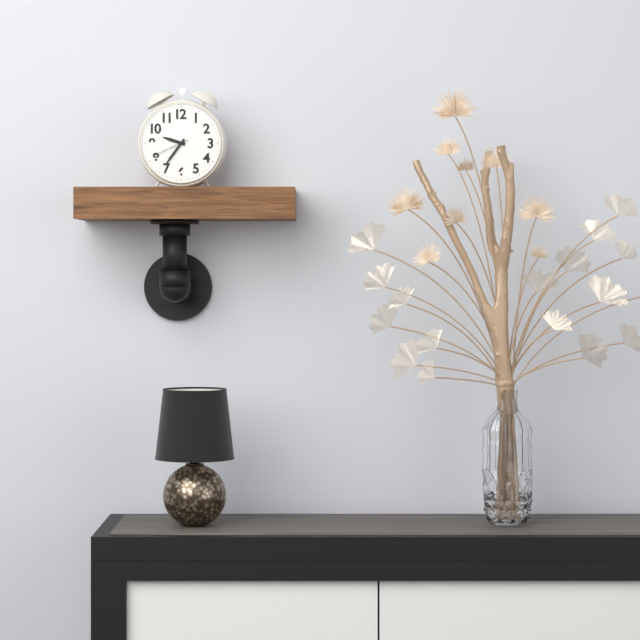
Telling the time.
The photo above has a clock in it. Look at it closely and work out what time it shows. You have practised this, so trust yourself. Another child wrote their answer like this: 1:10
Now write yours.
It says 9:36
